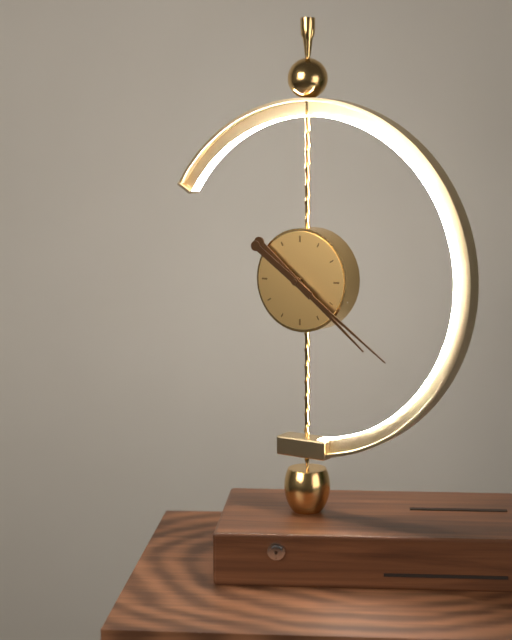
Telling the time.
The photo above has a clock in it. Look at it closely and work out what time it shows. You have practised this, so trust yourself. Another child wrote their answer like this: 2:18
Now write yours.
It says 4:21
